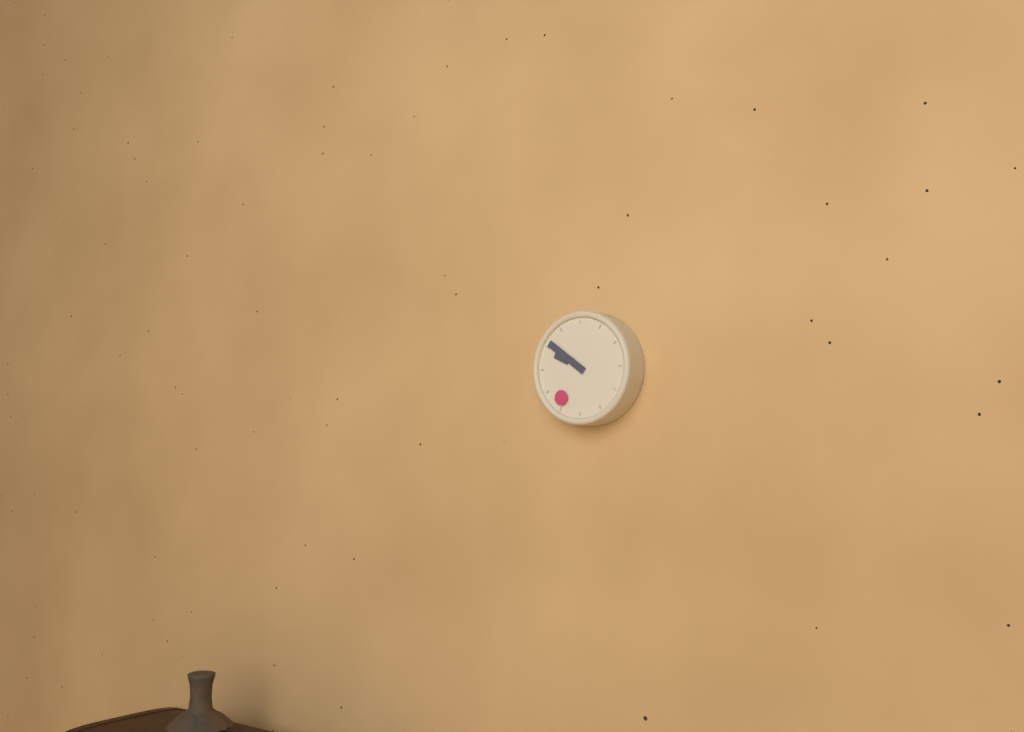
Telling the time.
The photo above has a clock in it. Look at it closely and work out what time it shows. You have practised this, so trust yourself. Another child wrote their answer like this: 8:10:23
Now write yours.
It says 9:51:36
